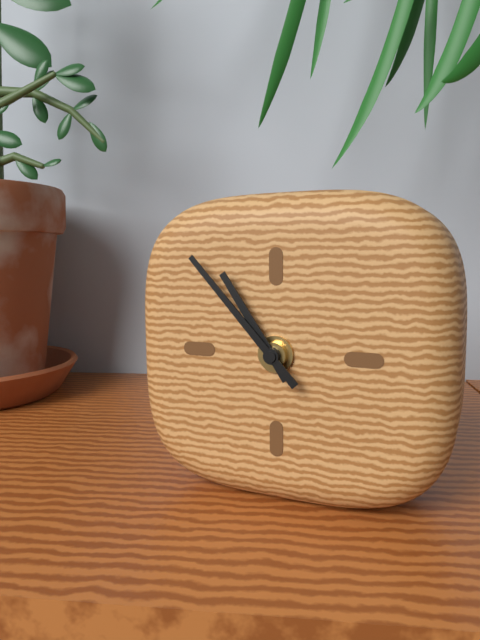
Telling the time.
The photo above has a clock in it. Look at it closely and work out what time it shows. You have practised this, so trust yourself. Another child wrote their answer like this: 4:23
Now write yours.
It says 10:53
